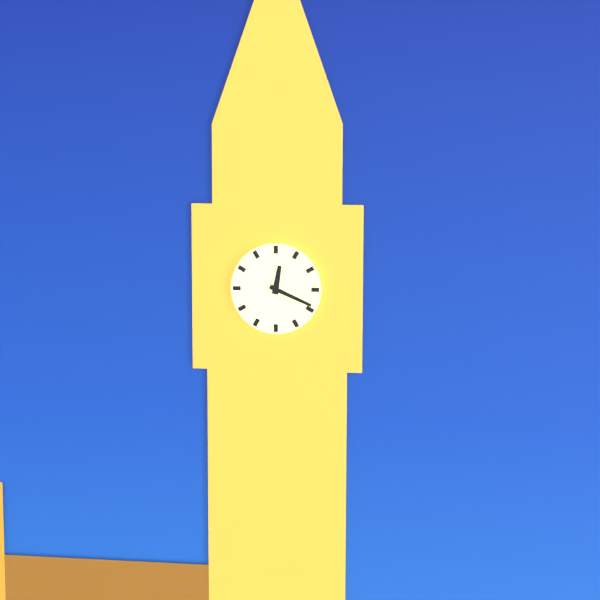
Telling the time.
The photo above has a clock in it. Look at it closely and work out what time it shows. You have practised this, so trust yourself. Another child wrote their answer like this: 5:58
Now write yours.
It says 12:19
